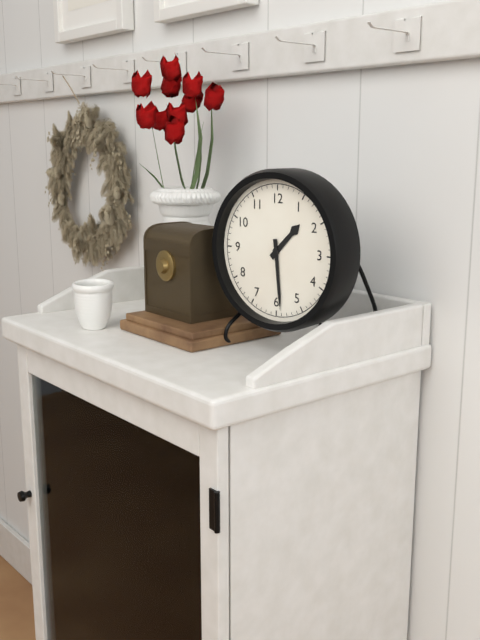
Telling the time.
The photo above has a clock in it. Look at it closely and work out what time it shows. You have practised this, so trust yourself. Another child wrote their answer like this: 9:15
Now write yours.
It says 1:29
